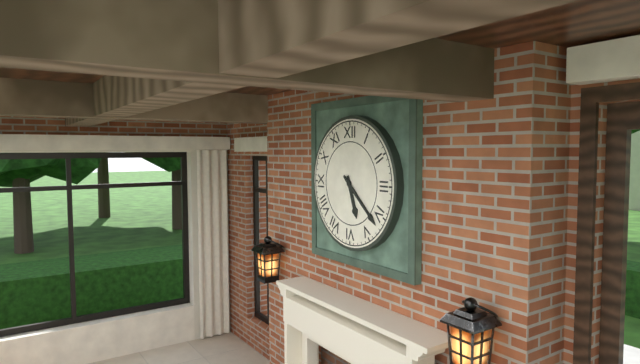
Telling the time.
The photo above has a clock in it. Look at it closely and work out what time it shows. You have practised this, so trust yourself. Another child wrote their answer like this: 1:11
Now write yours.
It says 5:22
